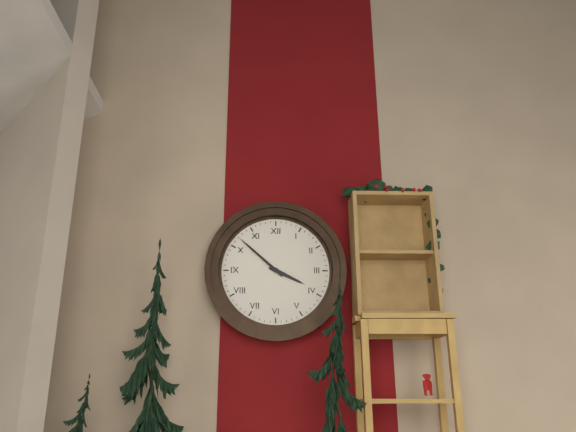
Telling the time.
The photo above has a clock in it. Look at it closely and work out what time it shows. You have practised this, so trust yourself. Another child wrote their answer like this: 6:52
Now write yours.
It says 3:52
